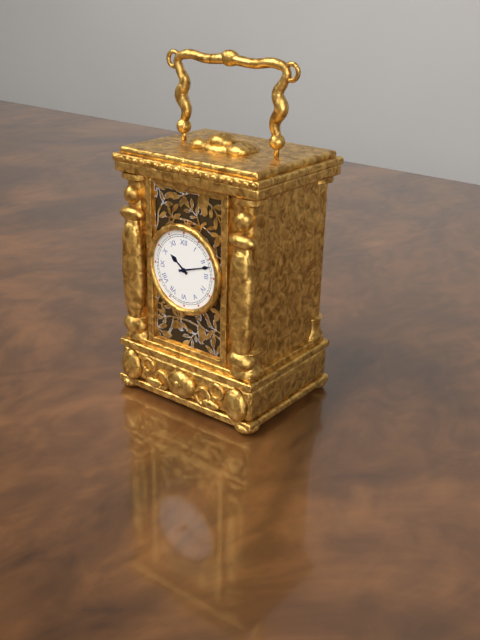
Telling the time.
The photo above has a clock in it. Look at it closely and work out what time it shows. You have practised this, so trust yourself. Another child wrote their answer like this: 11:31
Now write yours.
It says 10:12
